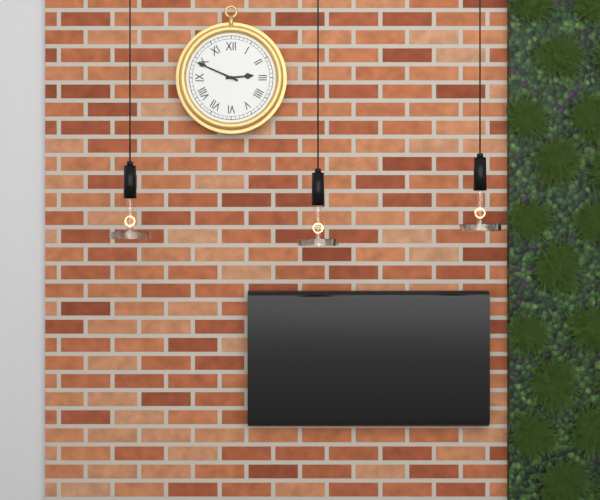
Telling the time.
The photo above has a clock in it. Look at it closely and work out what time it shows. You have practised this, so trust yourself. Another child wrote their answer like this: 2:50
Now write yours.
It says 2:49
